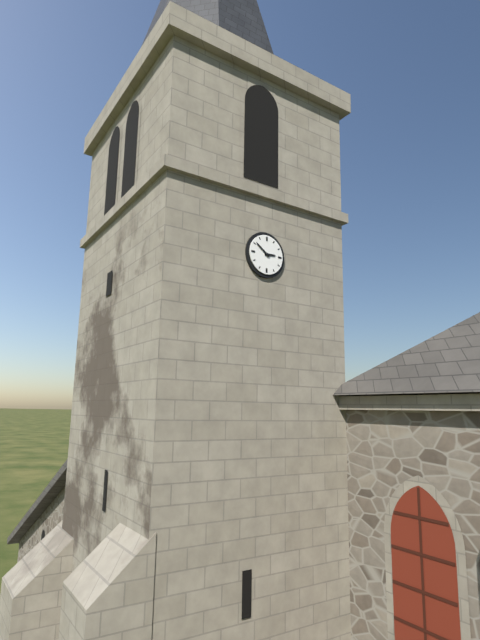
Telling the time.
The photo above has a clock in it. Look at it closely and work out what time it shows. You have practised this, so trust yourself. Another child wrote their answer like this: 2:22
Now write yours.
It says 2:51
